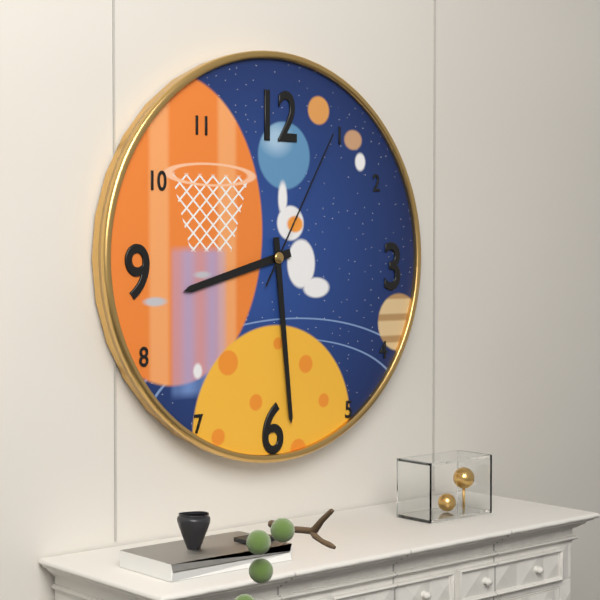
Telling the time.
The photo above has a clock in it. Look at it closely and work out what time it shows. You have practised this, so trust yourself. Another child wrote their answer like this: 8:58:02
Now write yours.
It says 8:29:05
